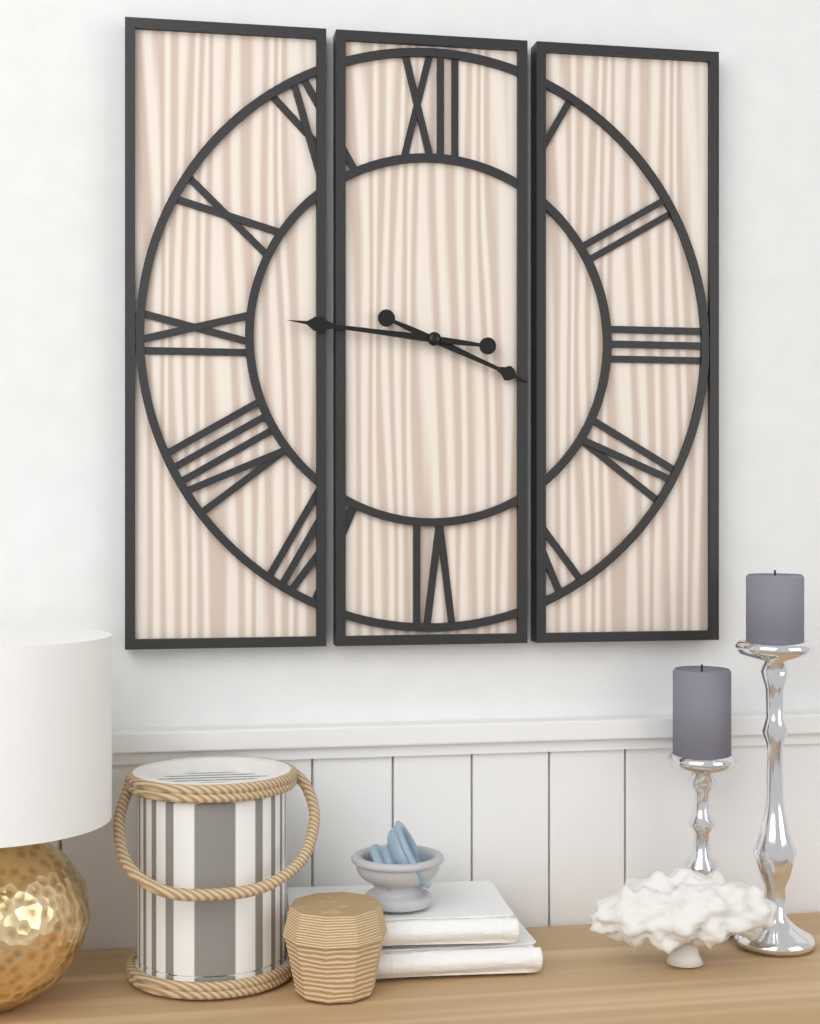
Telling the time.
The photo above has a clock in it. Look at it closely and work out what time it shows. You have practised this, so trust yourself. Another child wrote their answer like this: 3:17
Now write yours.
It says 3:46
